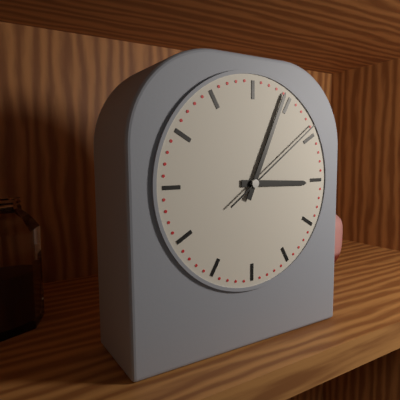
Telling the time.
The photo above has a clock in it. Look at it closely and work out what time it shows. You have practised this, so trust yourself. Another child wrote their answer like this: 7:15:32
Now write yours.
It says 3:04:09
